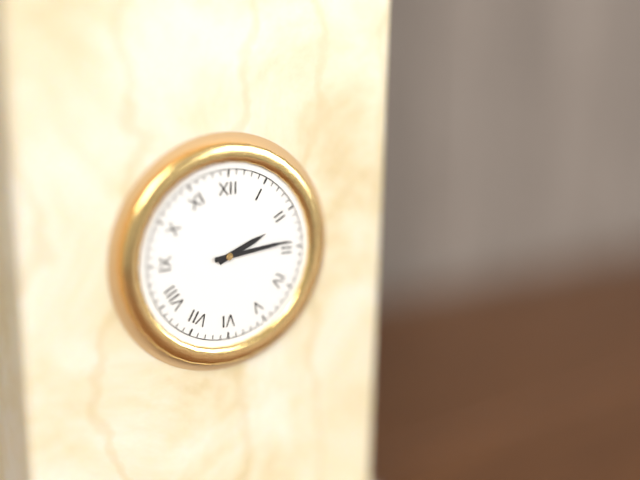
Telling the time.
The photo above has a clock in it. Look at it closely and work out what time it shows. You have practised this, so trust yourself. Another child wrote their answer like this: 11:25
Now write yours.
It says 2:14
